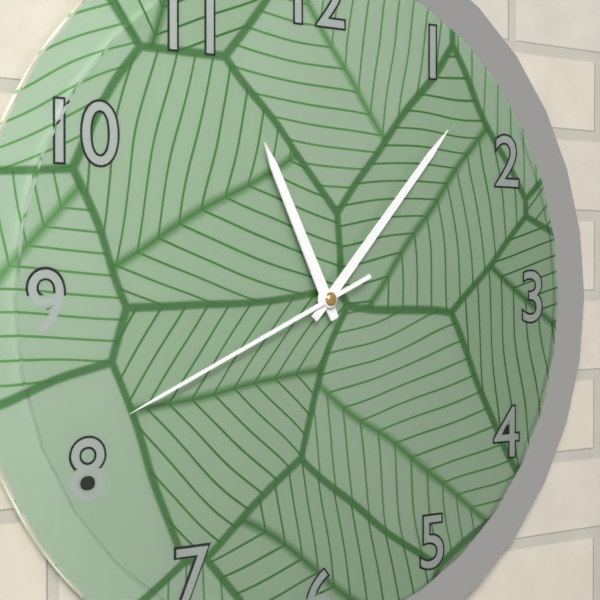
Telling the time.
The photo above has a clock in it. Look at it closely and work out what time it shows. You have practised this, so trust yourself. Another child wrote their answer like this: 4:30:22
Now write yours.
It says 11:07:41
